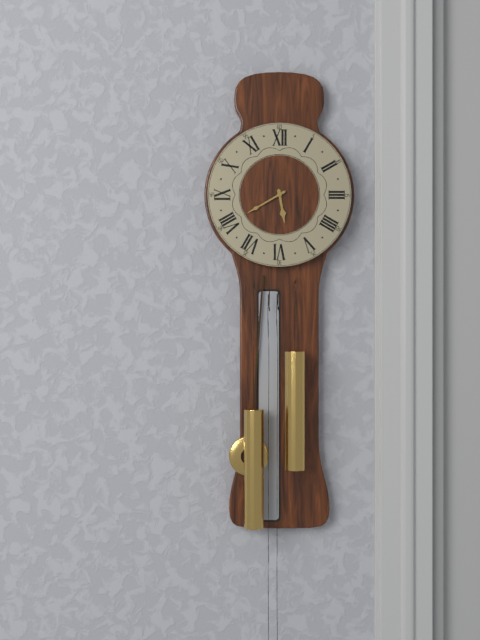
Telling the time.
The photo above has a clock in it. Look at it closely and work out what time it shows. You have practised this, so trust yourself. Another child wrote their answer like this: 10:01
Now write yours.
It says 5:40
